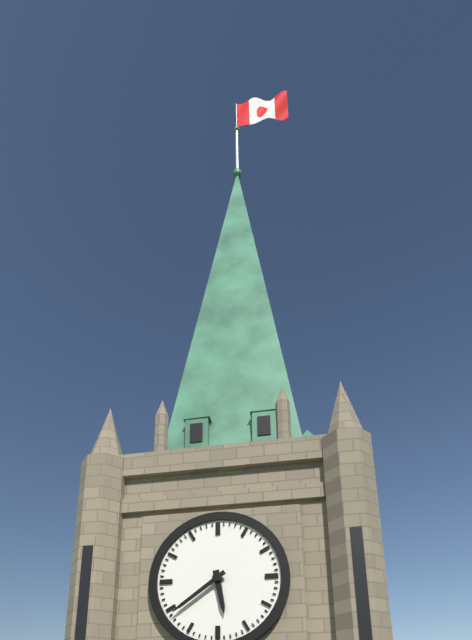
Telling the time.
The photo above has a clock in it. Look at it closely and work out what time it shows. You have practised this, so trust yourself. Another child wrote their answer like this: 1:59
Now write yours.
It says 5:39
